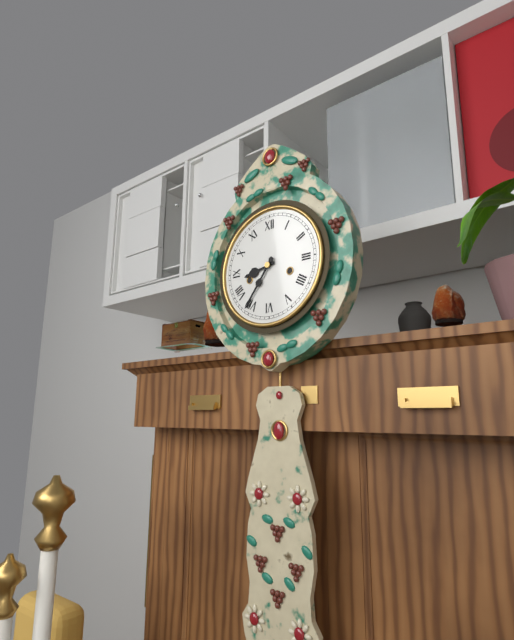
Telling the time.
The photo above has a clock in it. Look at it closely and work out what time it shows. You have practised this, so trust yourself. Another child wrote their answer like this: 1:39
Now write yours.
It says 8:36
